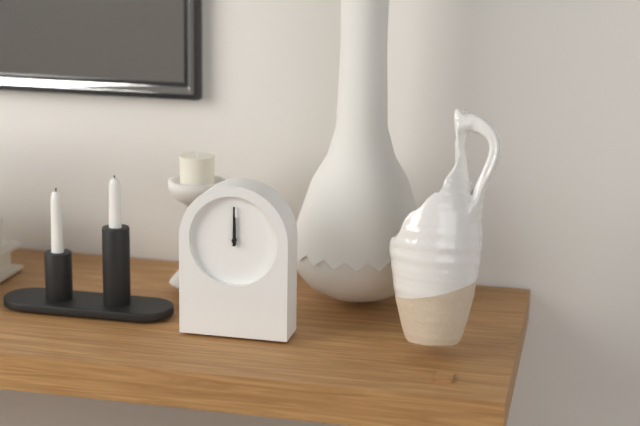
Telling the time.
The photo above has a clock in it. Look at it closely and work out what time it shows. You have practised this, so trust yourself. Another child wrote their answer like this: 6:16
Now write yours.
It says 12:00
